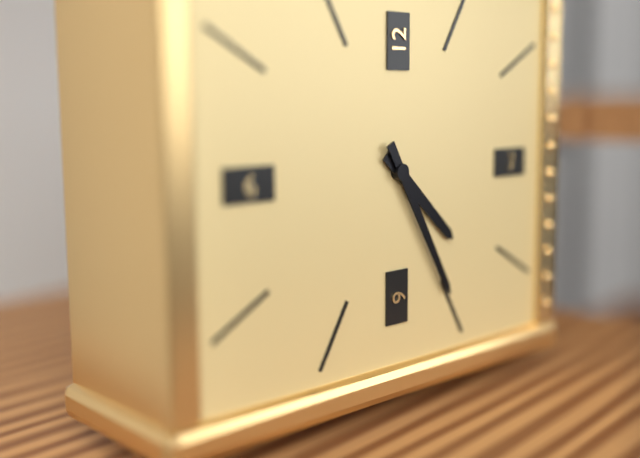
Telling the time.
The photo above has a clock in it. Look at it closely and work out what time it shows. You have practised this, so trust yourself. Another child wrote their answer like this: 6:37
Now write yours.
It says 4:25
